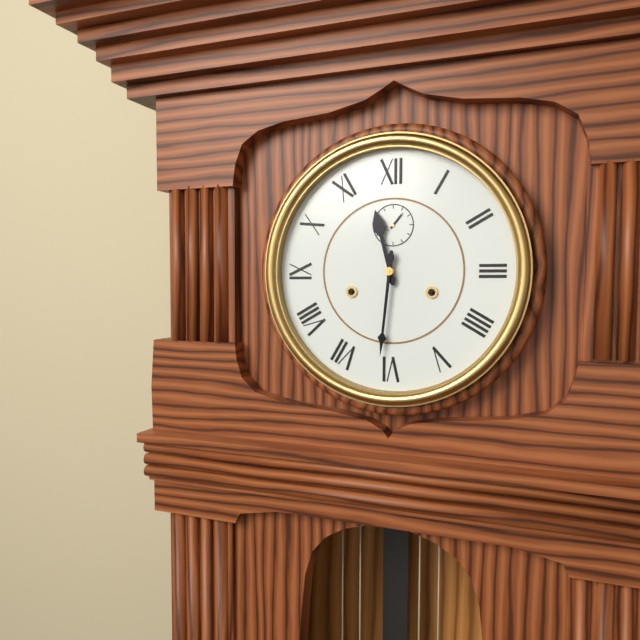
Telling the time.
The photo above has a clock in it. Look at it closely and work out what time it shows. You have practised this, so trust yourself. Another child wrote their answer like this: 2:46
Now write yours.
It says 11:31
